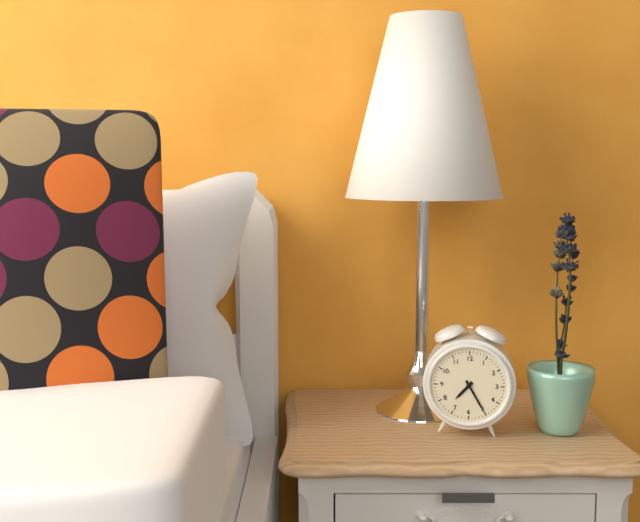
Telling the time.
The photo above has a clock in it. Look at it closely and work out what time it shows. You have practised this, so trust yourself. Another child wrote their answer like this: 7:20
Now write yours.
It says 7:25
